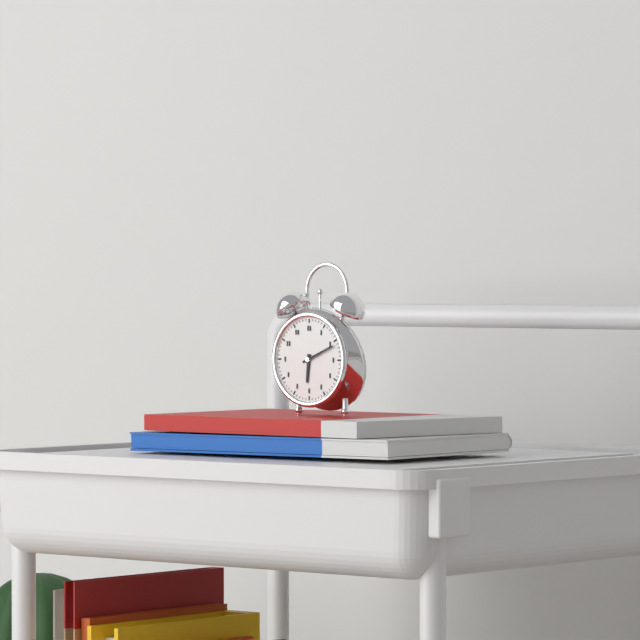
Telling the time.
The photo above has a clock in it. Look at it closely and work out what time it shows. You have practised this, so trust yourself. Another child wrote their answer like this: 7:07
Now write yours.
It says 6:11
